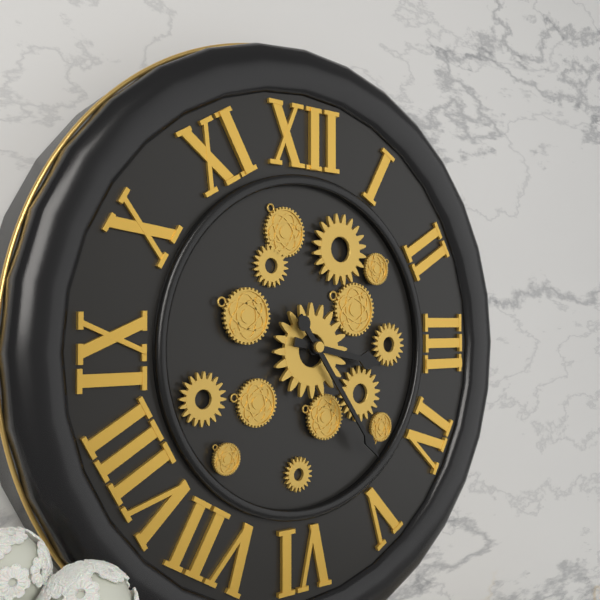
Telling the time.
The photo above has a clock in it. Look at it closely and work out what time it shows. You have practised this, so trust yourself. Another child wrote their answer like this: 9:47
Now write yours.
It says 3:24
